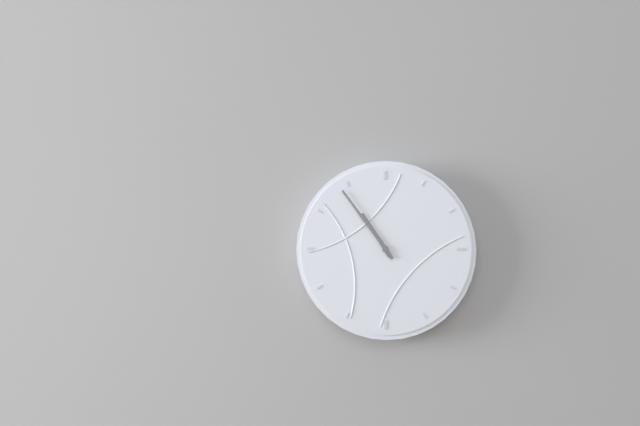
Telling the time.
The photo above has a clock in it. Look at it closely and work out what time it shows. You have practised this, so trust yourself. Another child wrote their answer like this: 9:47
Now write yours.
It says 10:54
